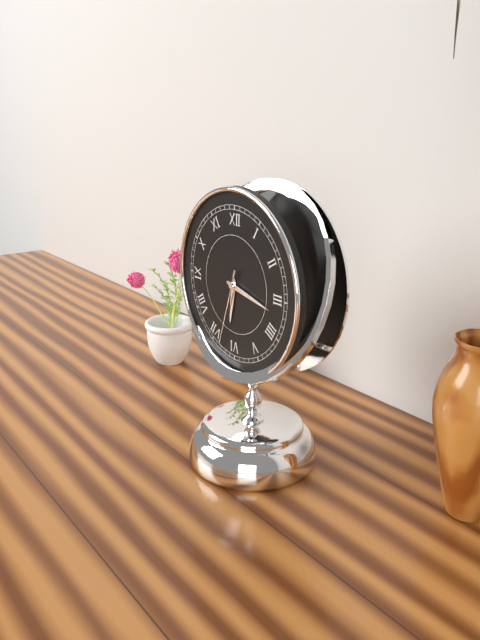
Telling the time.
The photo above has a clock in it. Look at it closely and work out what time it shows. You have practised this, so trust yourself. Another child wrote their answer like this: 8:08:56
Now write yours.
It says 6:17:33
